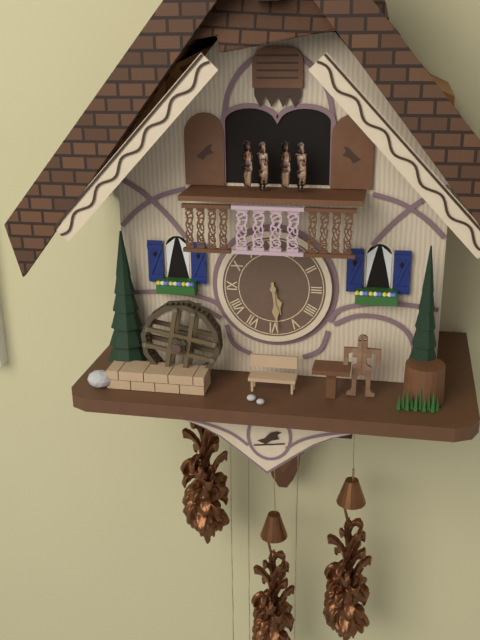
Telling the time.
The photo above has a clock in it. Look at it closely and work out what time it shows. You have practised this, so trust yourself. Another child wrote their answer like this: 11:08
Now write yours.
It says 5:29
